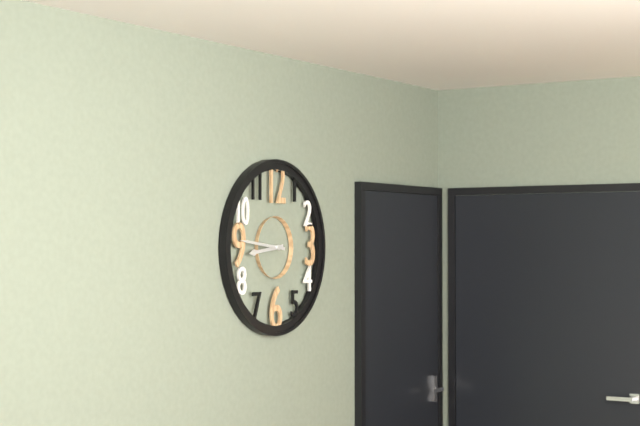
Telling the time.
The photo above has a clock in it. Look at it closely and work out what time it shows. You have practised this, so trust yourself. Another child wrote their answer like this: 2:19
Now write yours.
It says 8:46
